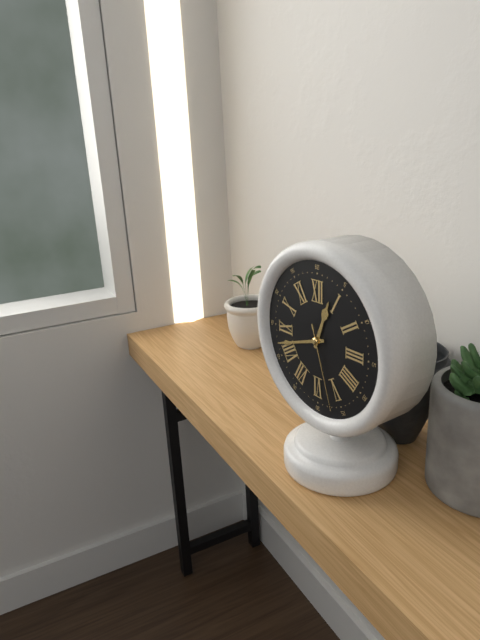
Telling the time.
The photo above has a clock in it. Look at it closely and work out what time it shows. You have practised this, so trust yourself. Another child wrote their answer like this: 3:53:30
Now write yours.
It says 12:42:27
